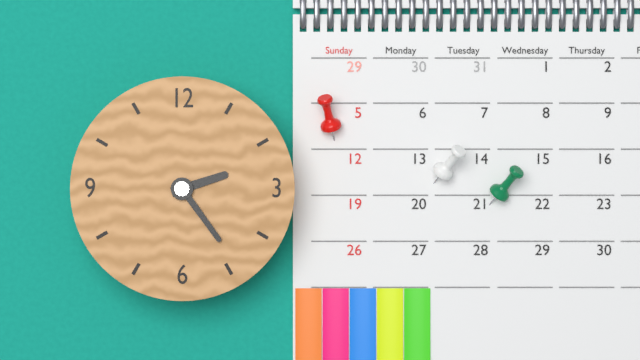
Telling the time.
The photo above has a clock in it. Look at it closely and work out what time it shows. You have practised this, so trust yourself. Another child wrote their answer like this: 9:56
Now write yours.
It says 2:24
